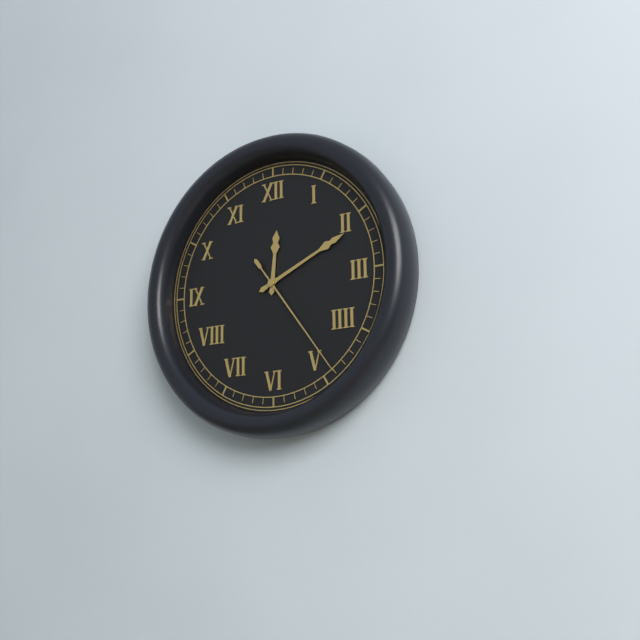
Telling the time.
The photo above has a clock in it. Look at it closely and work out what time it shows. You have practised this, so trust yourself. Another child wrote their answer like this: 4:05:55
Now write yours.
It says 12:11:24
